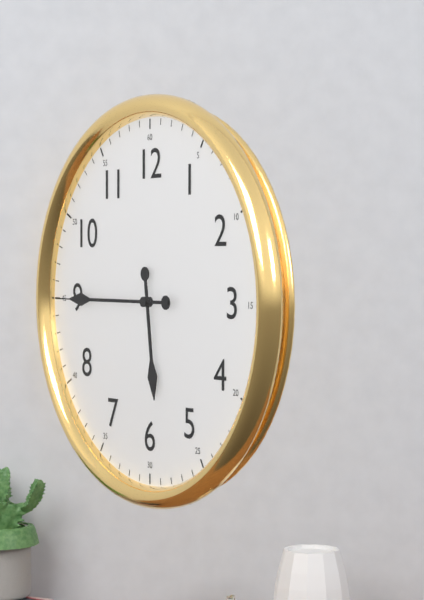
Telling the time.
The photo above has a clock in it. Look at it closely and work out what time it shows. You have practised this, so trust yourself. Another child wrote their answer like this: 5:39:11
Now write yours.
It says 5:45:45
